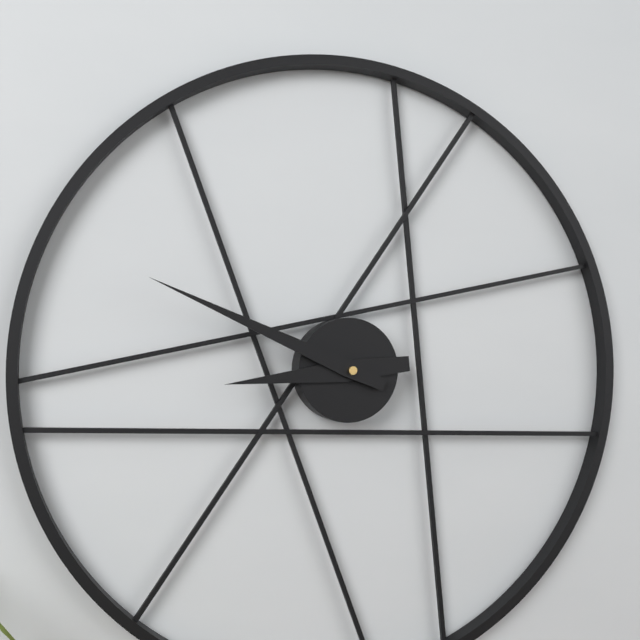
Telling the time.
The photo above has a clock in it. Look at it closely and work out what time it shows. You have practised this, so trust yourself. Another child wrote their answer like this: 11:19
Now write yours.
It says 8:49
